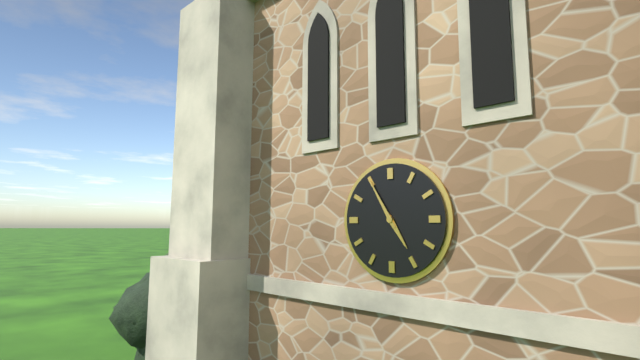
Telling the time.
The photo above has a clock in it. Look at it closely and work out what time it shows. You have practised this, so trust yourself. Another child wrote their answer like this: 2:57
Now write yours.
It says 4:55
